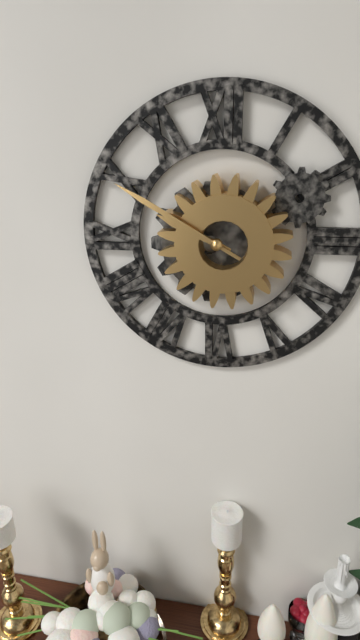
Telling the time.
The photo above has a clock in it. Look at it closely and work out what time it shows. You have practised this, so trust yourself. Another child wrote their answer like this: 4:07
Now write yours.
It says 9:50
